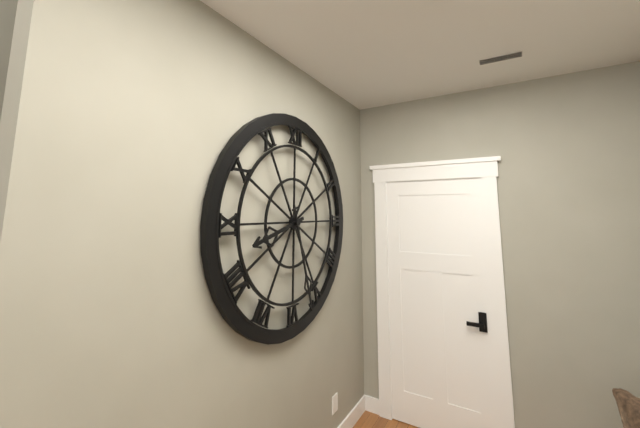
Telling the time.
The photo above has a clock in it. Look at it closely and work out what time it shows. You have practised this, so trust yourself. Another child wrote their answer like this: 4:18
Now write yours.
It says 8:27
